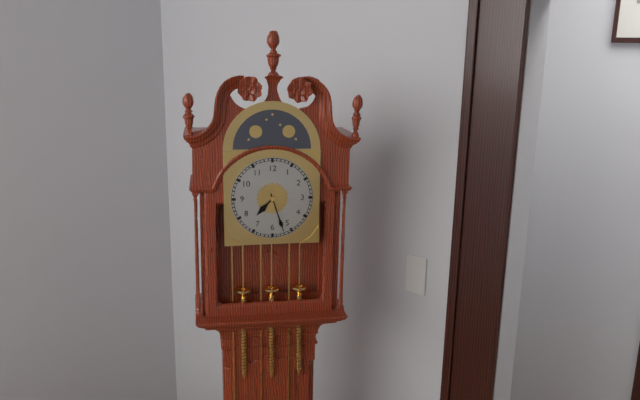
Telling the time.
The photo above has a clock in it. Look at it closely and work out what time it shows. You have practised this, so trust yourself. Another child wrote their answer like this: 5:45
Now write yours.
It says 7:27
